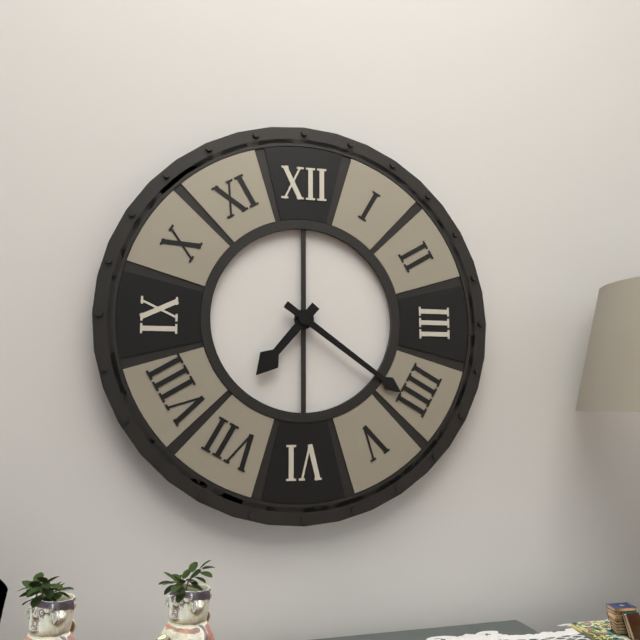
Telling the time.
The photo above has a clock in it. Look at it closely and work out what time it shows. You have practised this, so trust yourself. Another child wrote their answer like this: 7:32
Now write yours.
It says 7:21
